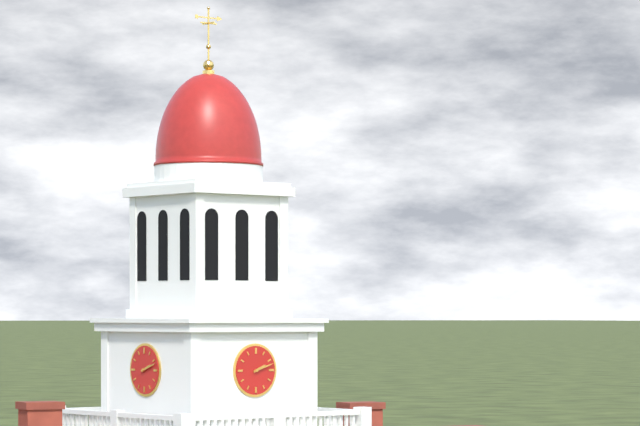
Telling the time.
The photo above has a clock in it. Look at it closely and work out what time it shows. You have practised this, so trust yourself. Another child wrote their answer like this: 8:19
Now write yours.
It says 2:12
